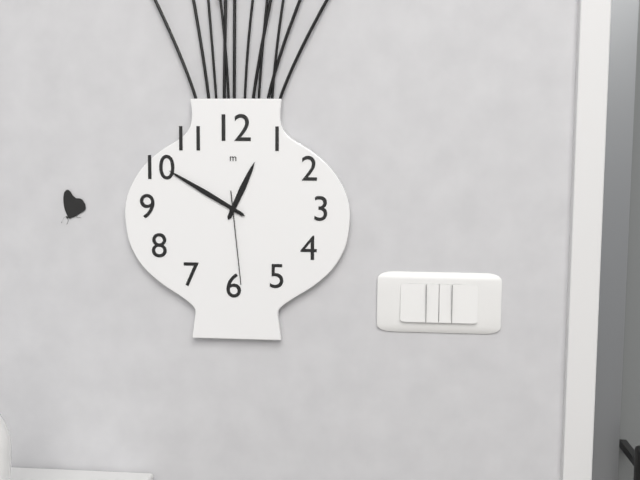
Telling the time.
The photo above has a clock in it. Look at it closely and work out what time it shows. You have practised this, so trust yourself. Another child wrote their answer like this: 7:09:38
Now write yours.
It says 12:50:29
